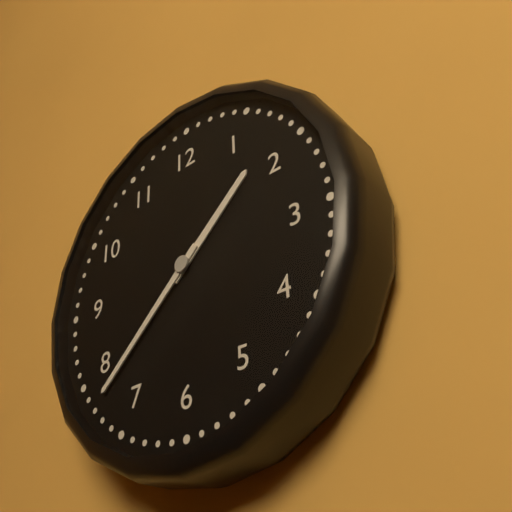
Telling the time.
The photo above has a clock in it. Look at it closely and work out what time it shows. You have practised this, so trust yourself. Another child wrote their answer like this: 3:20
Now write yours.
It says 1:38
